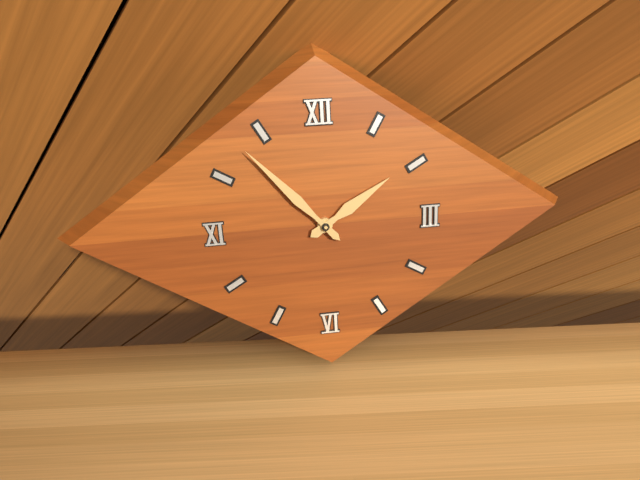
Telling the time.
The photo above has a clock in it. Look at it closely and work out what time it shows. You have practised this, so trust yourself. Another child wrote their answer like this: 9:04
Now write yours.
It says 1:53
